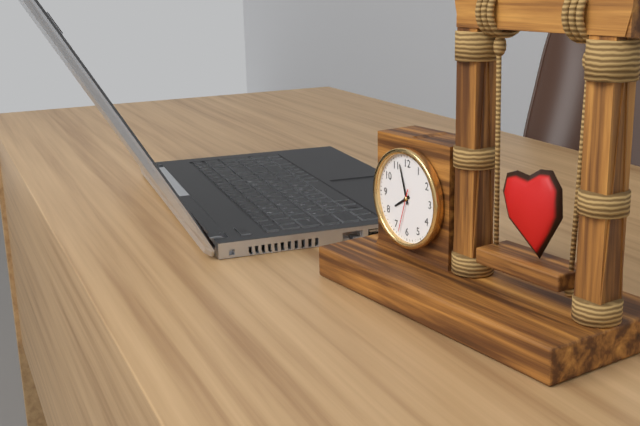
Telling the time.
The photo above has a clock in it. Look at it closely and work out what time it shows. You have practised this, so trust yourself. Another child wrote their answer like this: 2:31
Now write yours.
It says 7:57
